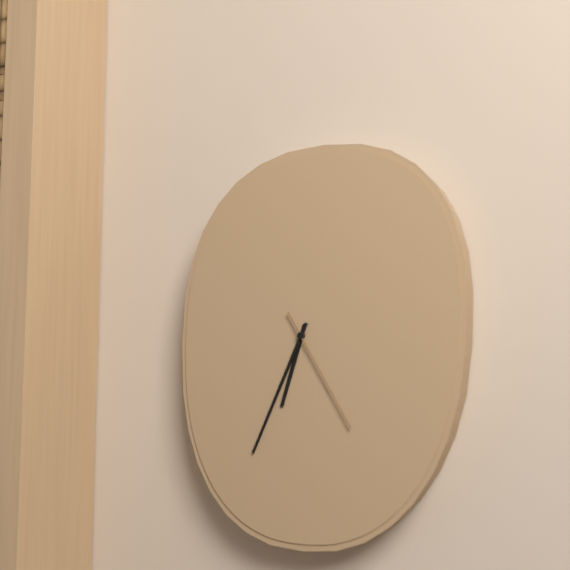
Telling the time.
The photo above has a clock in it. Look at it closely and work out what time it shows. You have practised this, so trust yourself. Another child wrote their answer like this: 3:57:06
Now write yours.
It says 6:34:25
